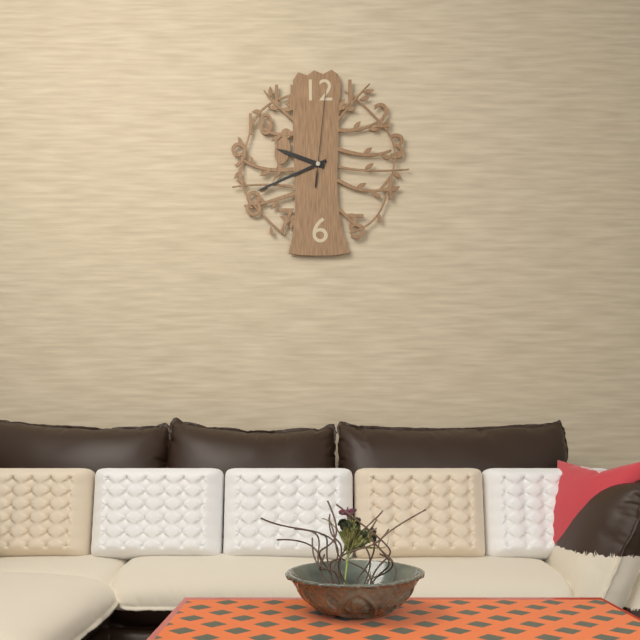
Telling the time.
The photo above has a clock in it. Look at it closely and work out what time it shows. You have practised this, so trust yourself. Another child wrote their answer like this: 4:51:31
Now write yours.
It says 9:41:01
